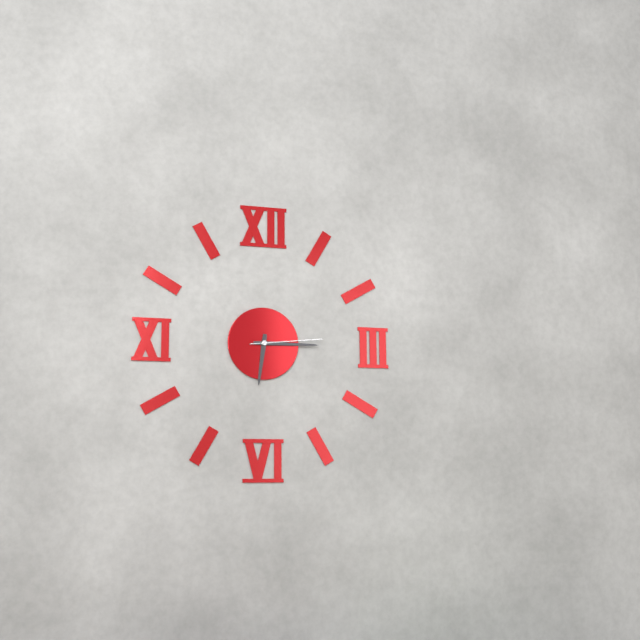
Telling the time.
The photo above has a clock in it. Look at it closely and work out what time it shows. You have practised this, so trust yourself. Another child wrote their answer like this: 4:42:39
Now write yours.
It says 6:15:14
